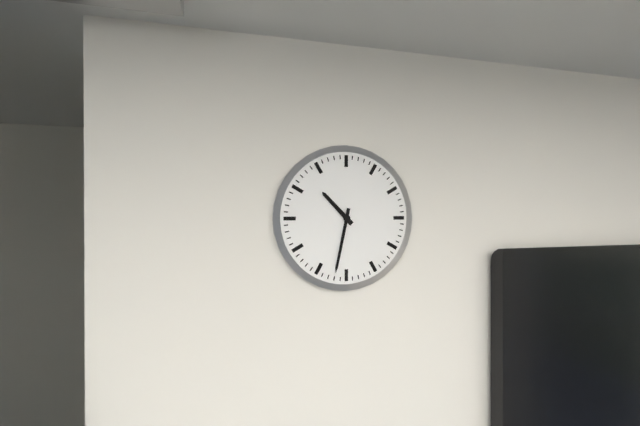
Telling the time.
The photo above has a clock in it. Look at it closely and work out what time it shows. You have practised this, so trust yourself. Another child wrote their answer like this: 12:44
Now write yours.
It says 10:32
